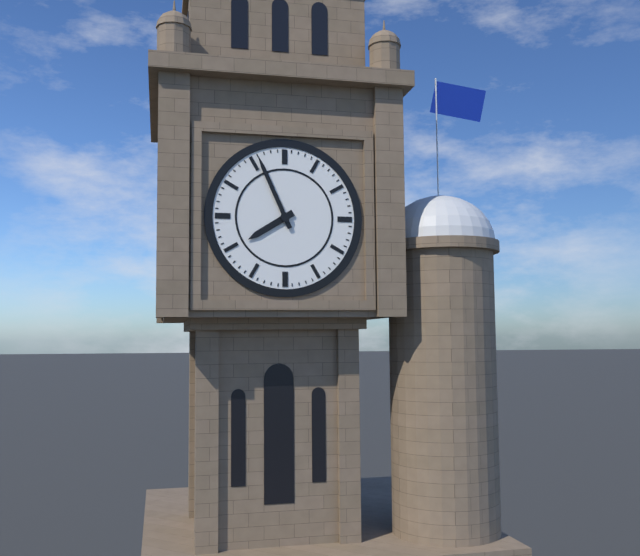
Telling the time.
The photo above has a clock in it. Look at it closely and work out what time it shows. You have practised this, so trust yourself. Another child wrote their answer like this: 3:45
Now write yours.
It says 7:56
